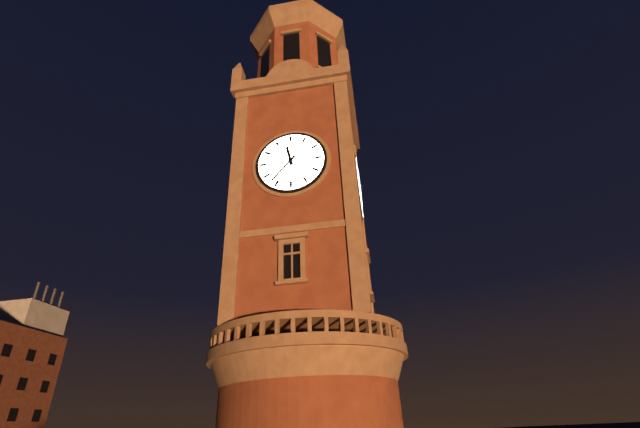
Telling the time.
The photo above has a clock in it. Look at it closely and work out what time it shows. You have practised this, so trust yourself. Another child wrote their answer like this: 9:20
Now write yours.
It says 11:37
